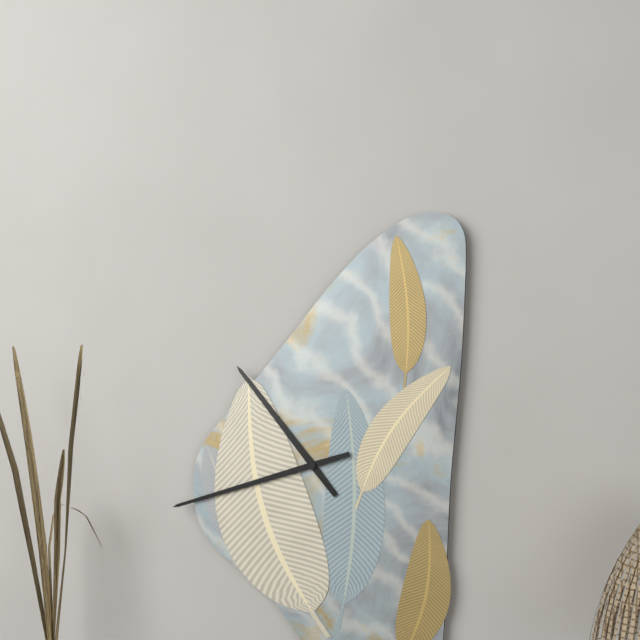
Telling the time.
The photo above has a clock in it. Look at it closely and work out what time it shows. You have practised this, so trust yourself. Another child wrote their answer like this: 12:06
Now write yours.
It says 10:42
